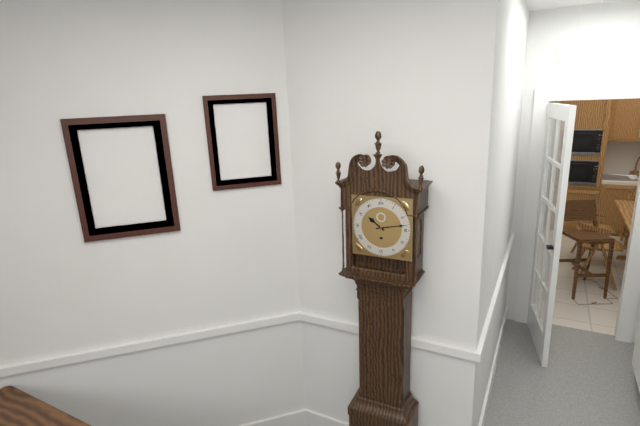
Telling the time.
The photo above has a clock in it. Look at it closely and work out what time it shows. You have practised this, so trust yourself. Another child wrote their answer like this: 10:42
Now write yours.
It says 10:13
